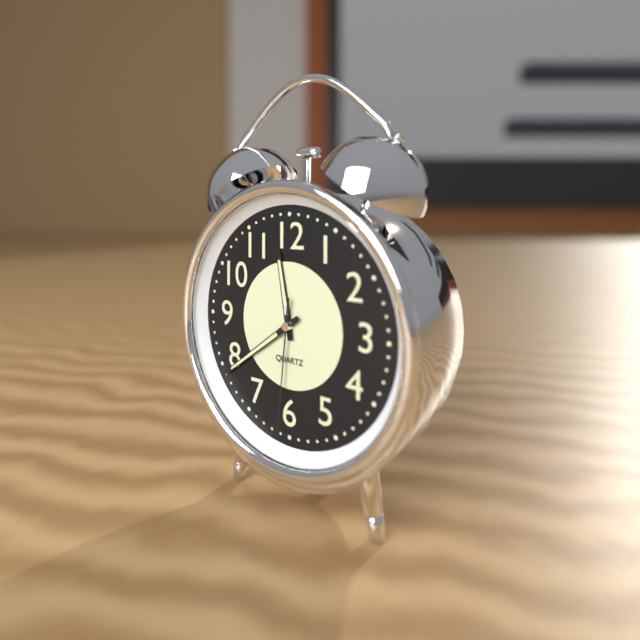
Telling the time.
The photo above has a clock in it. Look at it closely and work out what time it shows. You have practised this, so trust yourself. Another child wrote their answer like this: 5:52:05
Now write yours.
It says 11:39:31
